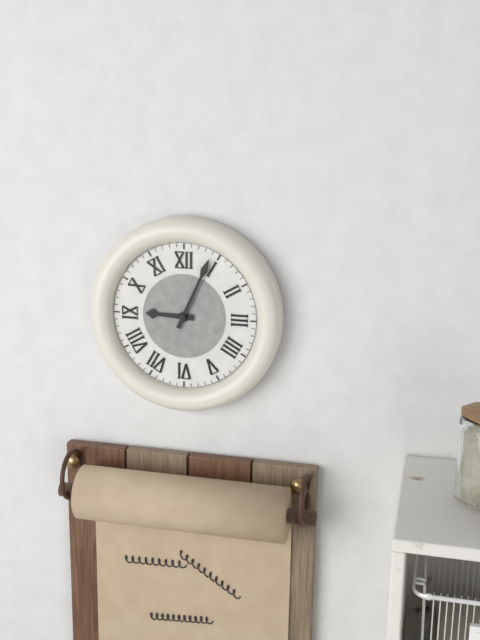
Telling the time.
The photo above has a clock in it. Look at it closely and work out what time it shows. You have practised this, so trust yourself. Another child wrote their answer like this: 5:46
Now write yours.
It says 9:04
